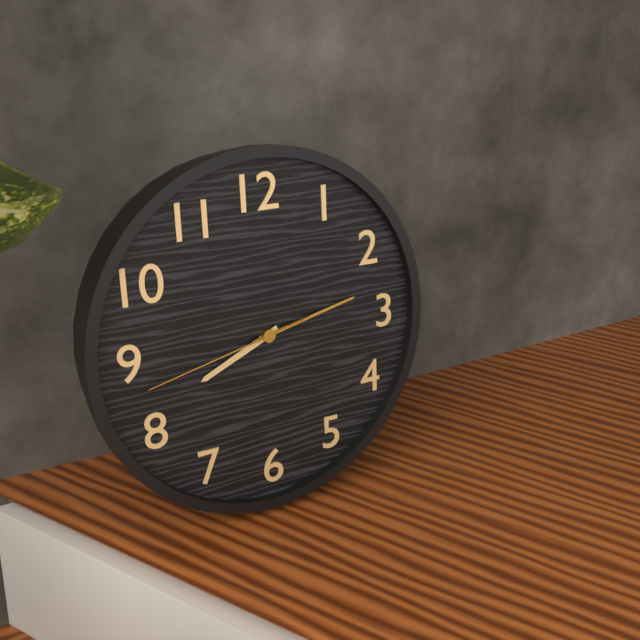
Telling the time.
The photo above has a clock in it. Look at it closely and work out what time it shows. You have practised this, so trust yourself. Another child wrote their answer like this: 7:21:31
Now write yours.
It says 8:13:43
